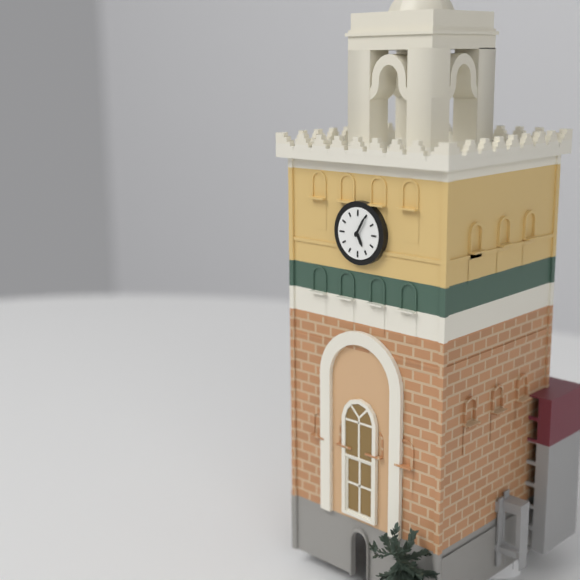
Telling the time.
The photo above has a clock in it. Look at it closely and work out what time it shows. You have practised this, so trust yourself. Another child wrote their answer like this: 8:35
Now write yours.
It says 5:05
